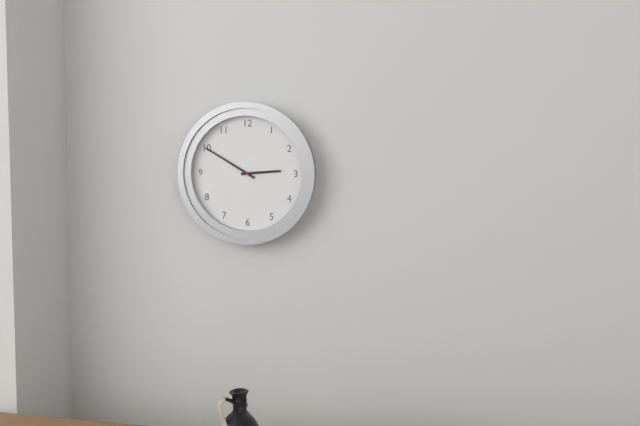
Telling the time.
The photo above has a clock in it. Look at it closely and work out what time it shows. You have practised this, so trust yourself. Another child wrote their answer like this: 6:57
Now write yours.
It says 2:50
